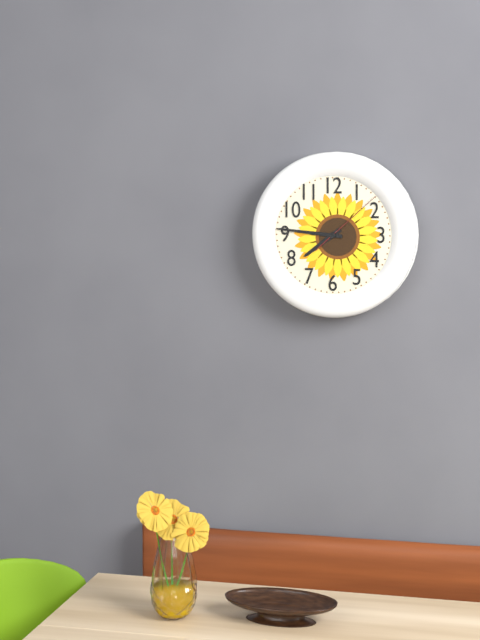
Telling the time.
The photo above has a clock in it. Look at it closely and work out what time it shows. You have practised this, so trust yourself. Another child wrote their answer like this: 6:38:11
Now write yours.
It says 7:46:08
